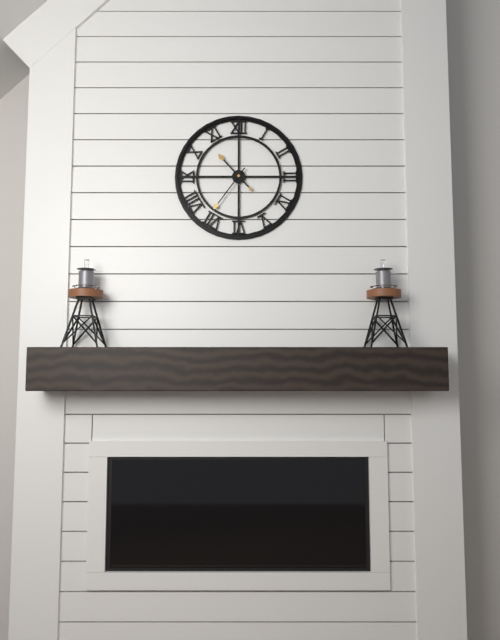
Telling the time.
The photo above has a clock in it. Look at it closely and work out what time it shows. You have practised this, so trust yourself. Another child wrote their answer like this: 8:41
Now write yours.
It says 10:36
